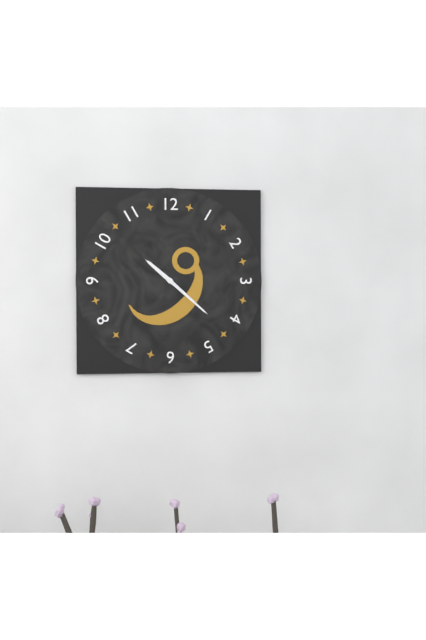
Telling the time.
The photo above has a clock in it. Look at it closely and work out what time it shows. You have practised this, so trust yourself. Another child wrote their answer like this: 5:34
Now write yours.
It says 10:22
